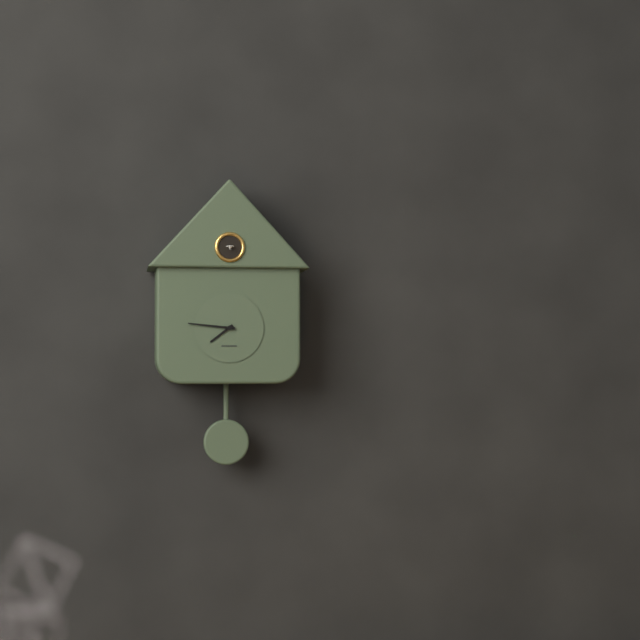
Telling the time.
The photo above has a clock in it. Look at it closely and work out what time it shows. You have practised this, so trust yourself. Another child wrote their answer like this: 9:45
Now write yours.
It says 7:46
